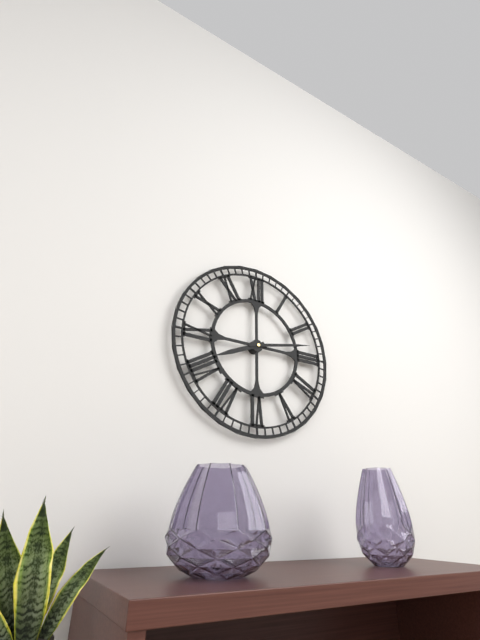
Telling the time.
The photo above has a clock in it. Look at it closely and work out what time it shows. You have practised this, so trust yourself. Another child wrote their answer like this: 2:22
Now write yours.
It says 8:13
